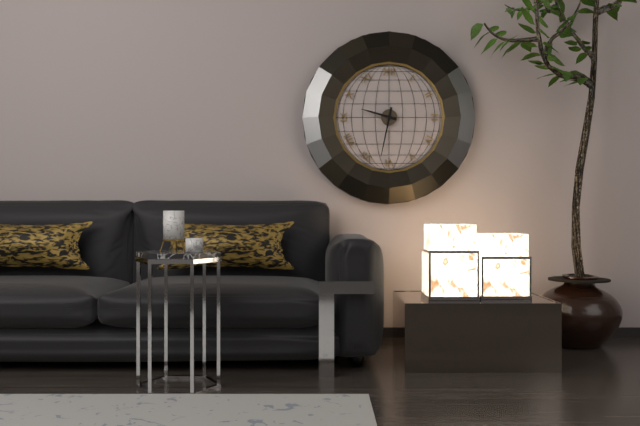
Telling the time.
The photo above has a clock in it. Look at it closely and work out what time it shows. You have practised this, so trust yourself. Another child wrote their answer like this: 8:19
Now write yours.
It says 9:32
